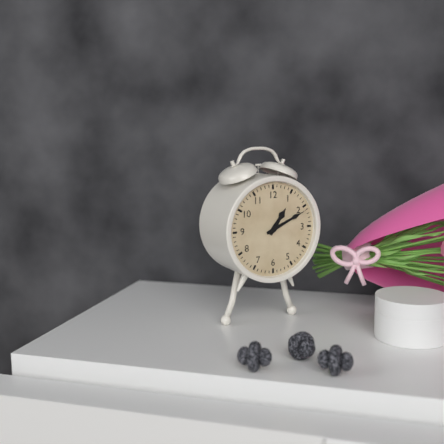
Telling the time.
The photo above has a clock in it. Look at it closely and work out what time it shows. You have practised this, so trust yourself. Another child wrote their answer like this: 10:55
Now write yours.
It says 1:11
